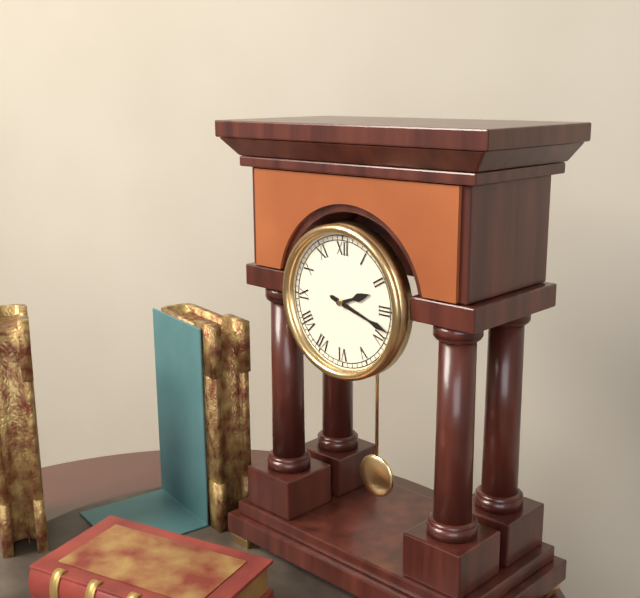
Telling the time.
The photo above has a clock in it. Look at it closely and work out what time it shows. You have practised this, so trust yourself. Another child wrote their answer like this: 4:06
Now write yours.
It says 2:18
